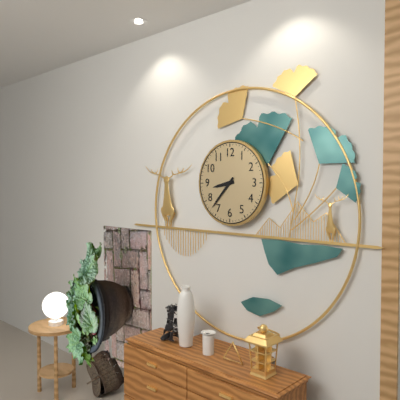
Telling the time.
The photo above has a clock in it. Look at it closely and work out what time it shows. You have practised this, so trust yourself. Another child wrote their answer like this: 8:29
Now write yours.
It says 8:37
